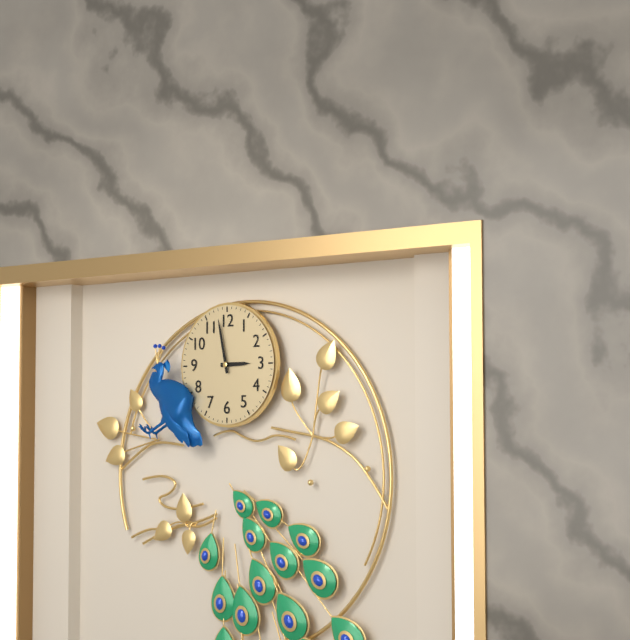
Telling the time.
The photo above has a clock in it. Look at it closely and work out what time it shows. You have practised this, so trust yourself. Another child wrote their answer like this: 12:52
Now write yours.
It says 2:58
